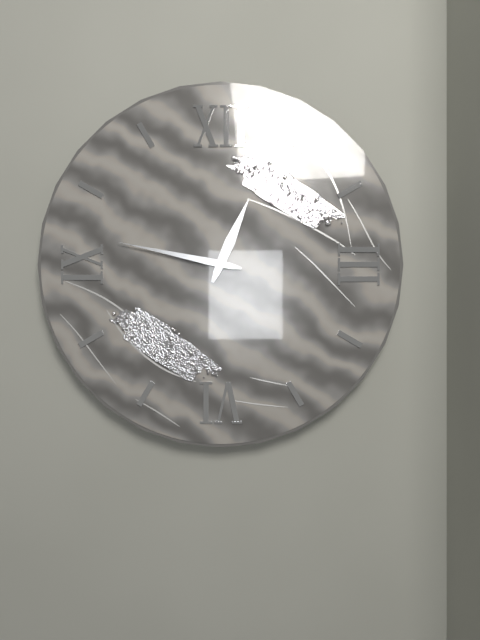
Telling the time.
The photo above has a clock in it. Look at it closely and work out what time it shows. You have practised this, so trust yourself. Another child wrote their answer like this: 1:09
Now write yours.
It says 12:47
